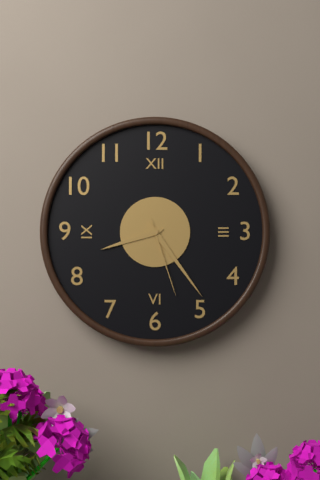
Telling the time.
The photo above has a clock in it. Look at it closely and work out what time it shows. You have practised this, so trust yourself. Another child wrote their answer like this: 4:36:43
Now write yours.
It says 8:24:27
